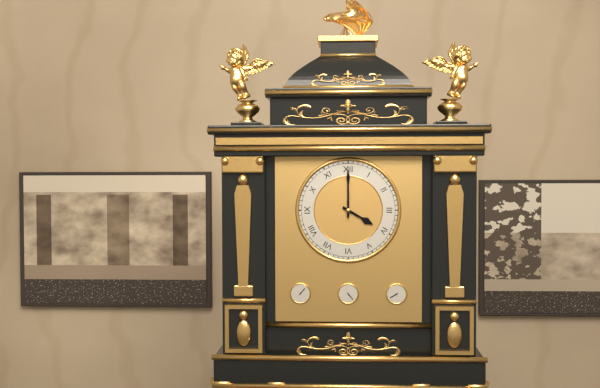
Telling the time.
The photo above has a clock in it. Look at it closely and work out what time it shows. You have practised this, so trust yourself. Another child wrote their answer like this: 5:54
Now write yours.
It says 4:00
